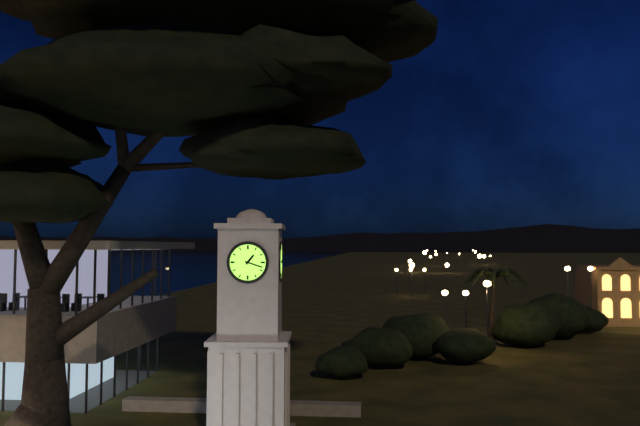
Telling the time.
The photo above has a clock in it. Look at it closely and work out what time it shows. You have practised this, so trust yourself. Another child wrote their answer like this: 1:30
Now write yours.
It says 1:18
